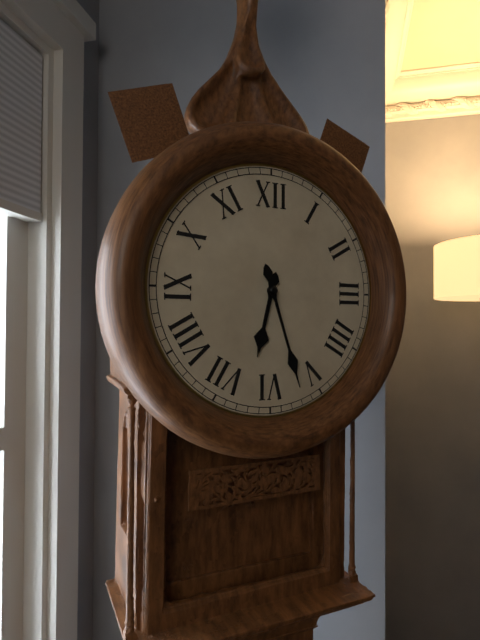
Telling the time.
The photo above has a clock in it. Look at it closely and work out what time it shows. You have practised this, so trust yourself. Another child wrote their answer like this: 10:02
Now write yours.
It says 6:27
